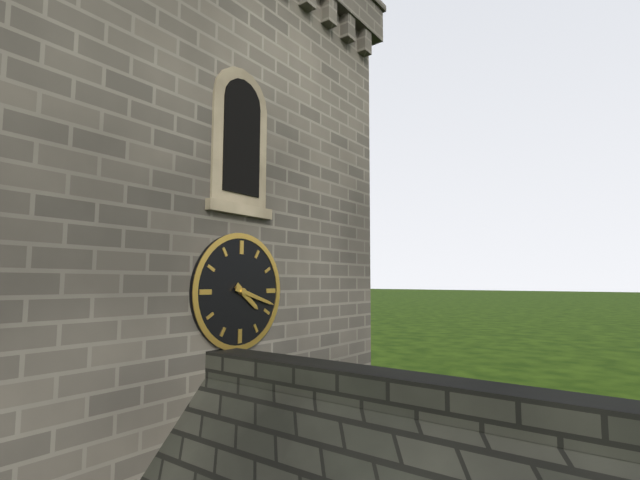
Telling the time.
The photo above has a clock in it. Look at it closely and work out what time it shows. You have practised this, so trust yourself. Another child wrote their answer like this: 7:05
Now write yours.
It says 4:18
